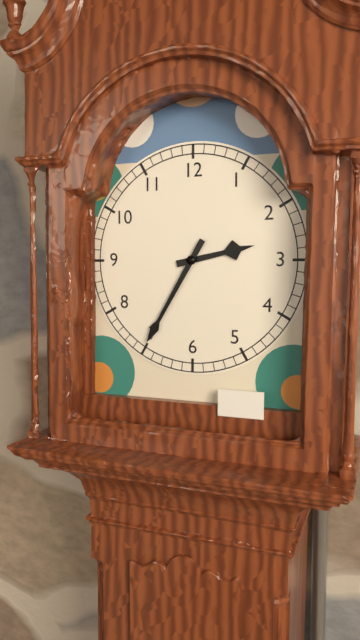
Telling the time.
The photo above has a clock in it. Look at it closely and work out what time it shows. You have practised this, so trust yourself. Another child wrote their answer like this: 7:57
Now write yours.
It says 2:35
